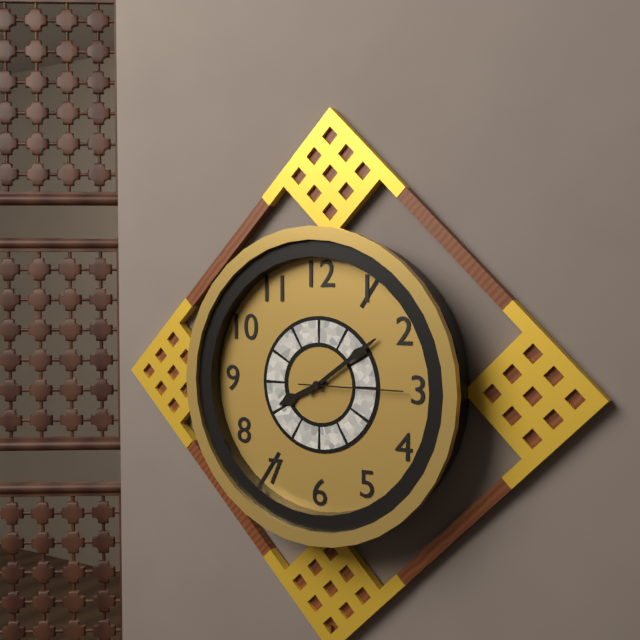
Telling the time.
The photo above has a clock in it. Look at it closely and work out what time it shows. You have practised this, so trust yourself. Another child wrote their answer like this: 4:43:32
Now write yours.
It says 8:09:15
